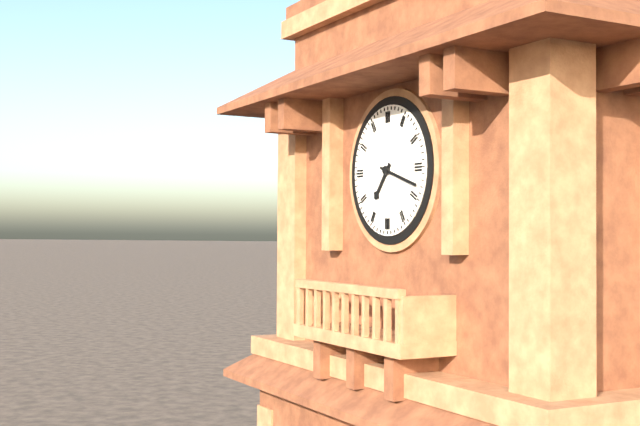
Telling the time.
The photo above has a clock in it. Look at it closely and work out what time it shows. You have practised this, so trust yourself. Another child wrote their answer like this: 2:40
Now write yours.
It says 7:18
